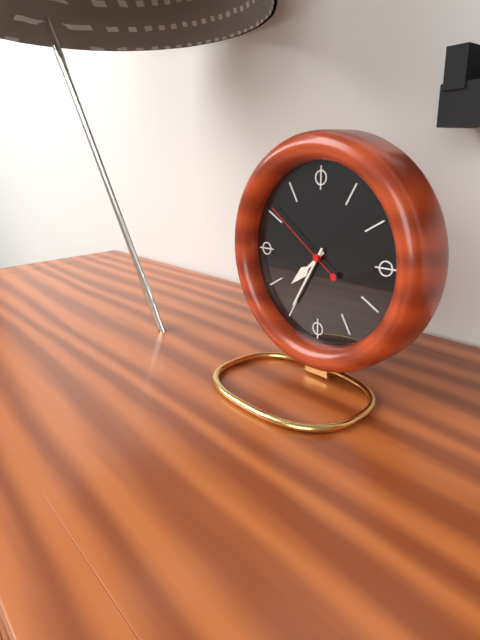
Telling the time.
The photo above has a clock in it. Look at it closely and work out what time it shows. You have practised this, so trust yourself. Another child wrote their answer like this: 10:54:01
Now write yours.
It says 7:35:51
